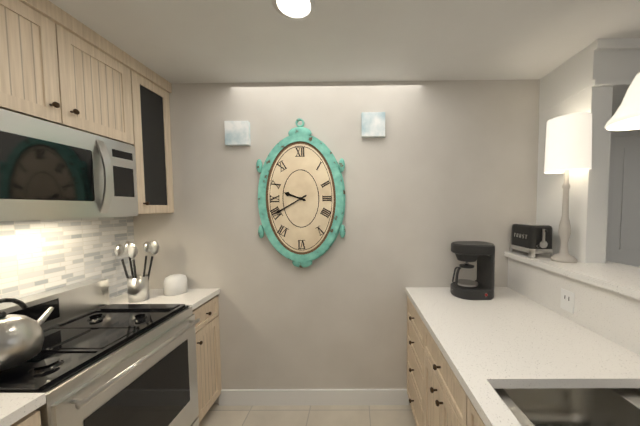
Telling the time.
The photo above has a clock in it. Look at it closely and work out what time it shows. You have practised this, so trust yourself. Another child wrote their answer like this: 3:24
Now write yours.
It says 9:40
